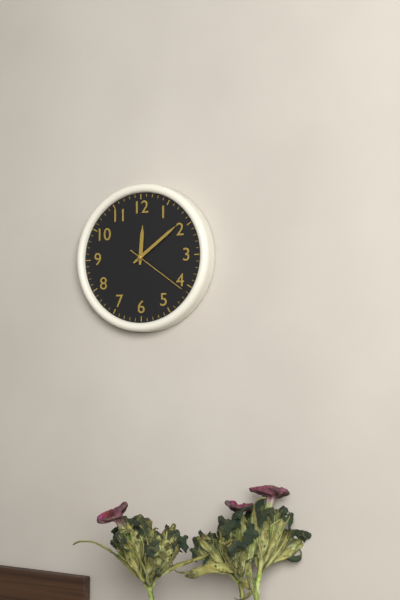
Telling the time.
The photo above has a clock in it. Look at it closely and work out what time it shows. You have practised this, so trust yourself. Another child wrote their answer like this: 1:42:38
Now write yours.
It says 12:09:21
